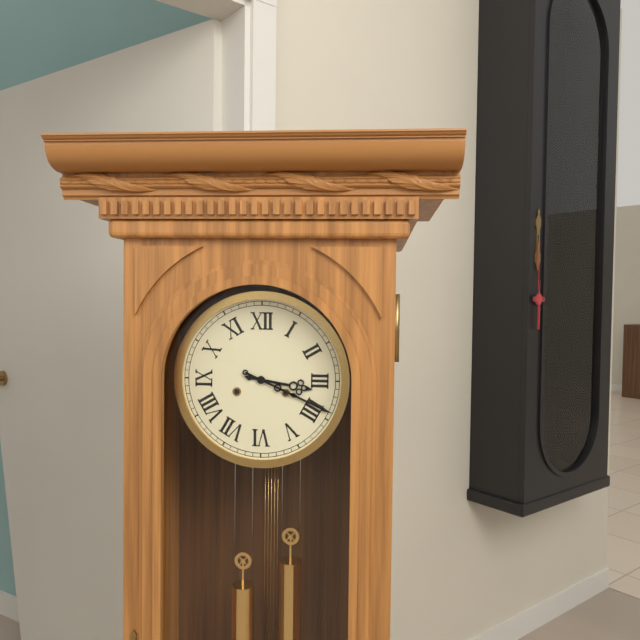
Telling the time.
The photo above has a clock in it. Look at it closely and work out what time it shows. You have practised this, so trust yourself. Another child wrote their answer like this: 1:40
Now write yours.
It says 3:19
